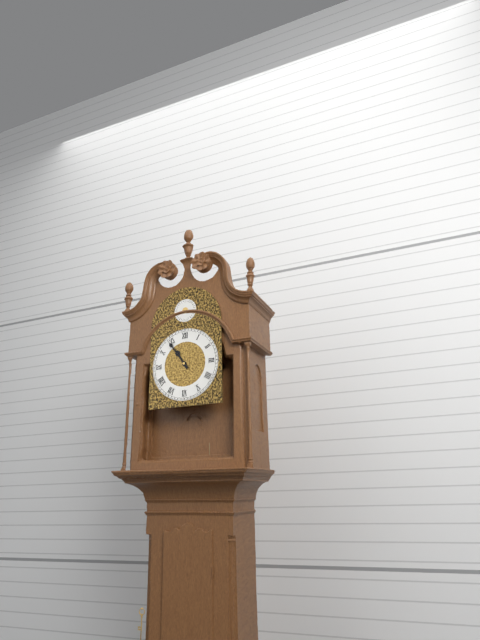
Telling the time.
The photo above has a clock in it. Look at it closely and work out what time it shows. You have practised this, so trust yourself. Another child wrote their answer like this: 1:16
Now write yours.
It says 10:54
